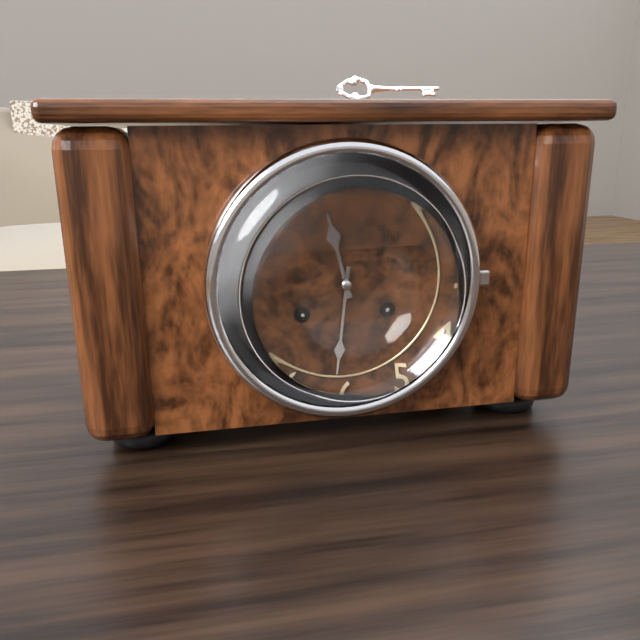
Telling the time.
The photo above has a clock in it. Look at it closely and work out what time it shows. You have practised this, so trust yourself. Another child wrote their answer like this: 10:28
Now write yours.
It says 11:31
